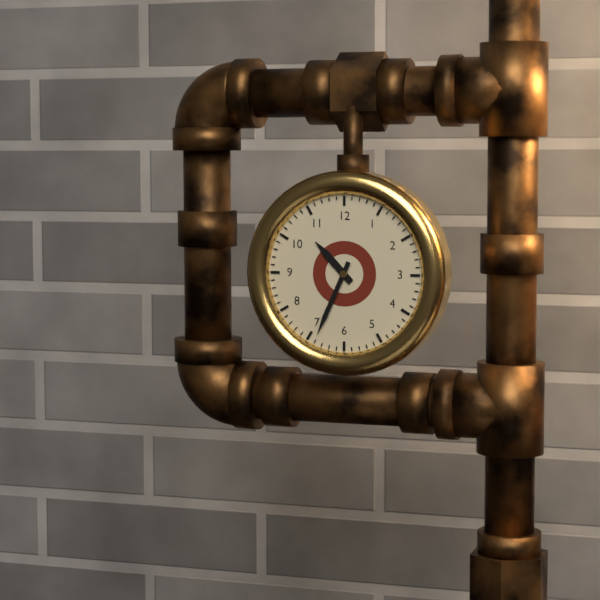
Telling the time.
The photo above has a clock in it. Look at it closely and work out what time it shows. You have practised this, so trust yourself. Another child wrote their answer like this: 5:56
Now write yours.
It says 10:34
